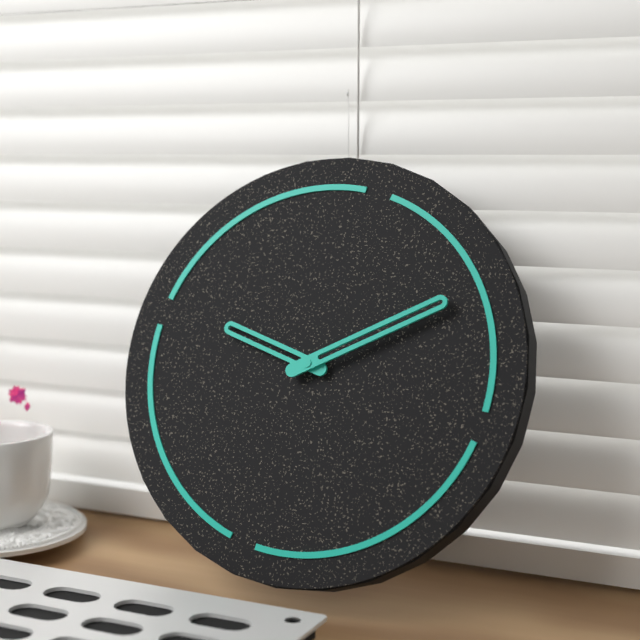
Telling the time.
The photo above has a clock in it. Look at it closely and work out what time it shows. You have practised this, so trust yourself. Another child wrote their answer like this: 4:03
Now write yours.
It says 9:08
